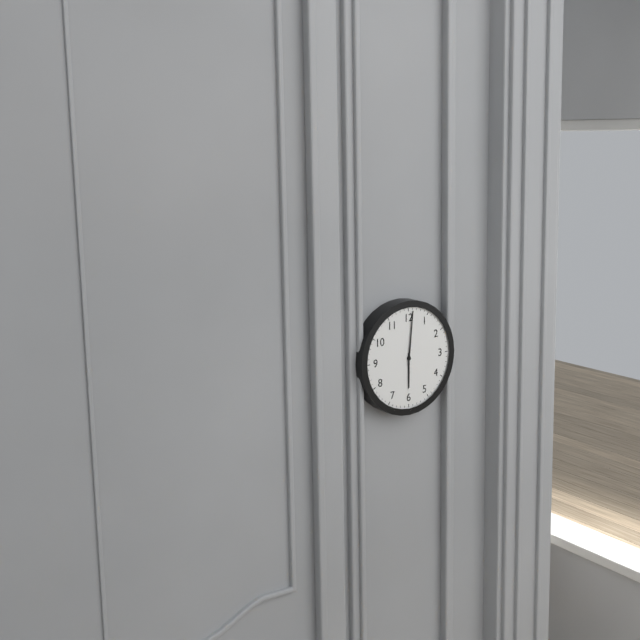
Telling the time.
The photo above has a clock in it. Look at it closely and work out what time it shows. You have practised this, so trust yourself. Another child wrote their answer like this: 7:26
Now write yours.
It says 6:01
